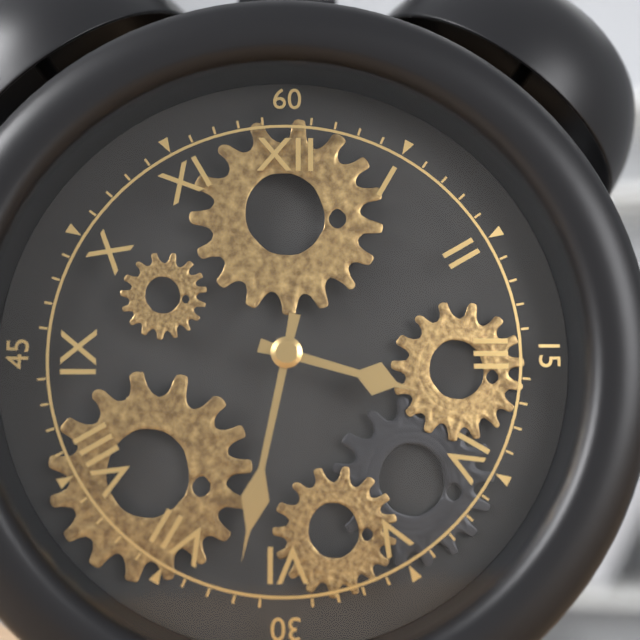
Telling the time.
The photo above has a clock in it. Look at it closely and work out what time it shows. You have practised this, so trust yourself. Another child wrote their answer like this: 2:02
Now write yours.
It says 3:32
